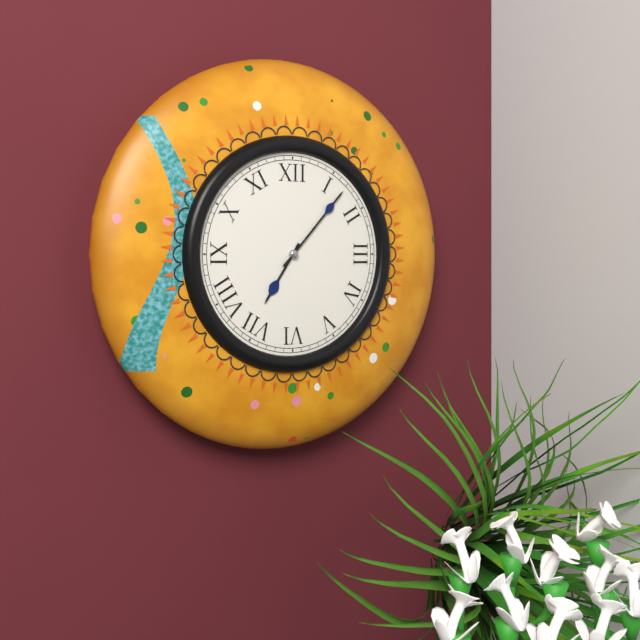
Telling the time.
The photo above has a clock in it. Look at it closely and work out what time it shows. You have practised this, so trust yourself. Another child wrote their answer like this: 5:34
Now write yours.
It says 7:07
